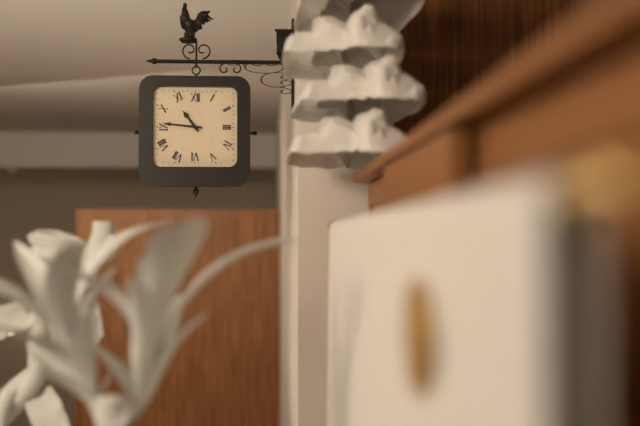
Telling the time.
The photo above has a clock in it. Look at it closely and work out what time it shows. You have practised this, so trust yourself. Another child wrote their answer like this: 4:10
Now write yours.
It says 10:46
